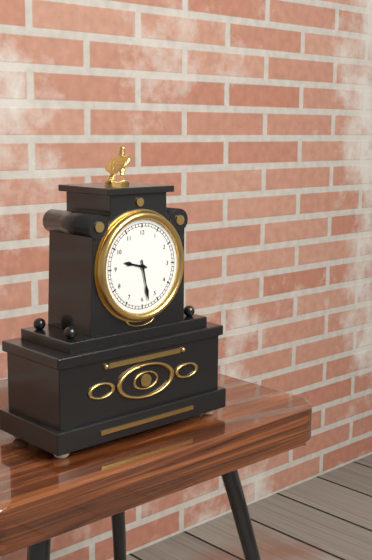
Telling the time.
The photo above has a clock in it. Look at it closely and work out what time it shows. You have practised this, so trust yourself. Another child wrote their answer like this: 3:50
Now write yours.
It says 9:28
